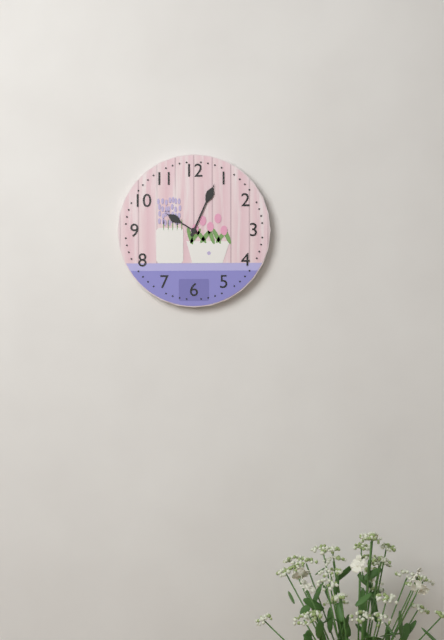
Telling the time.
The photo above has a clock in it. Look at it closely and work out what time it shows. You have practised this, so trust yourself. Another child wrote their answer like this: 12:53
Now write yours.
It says 10:04
